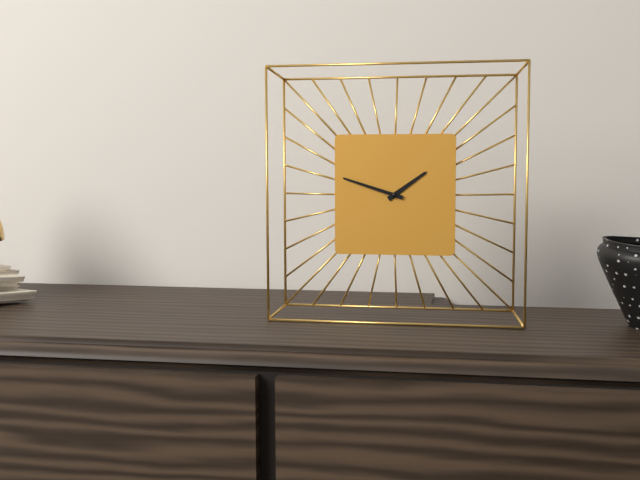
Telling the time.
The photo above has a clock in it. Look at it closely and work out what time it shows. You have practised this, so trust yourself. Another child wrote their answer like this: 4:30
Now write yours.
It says 1:48
